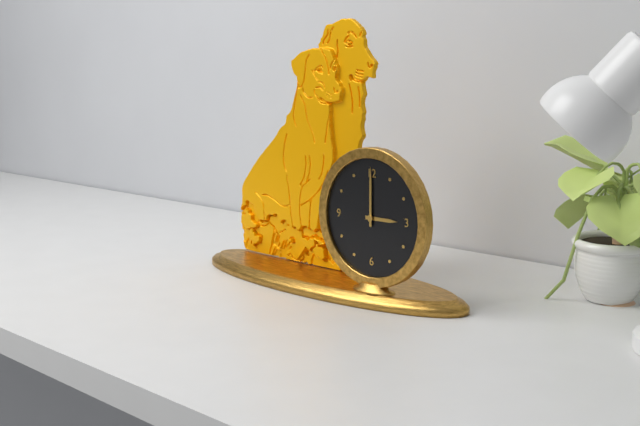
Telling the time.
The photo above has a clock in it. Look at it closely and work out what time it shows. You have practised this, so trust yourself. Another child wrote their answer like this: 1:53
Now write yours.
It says 3:00
